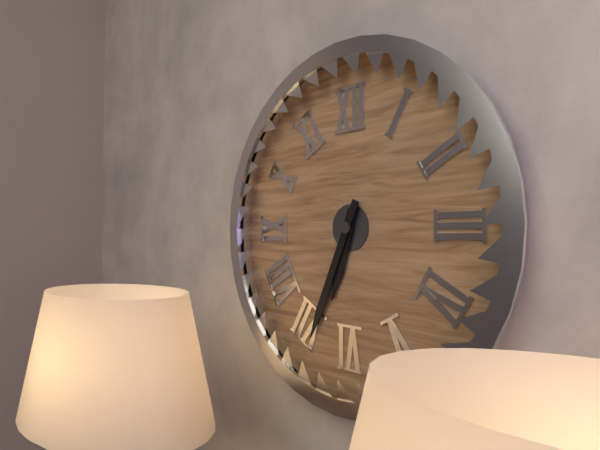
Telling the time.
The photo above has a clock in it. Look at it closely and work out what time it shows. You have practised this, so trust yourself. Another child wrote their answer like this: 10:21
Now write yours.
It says 6:34
